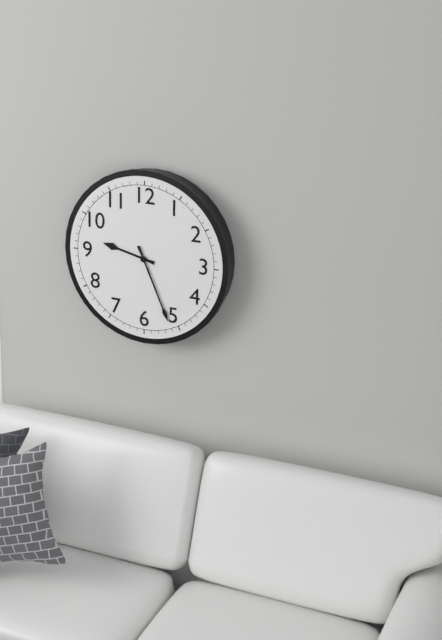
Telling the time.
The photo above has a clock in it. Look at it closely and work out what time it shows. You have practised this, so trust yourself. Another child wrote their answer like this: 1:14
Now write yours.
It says 9:26
